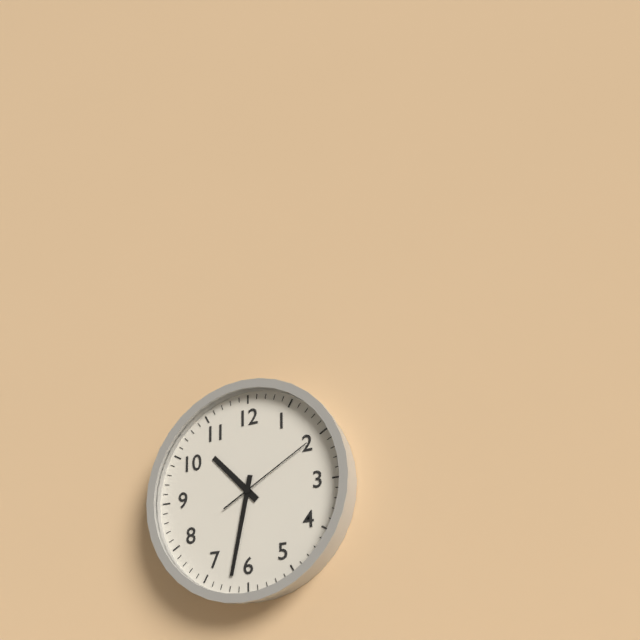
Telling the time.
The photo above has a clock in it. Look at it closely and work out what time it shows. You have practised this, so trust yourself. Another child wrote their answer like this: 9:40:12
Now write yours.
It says 10:32:10
